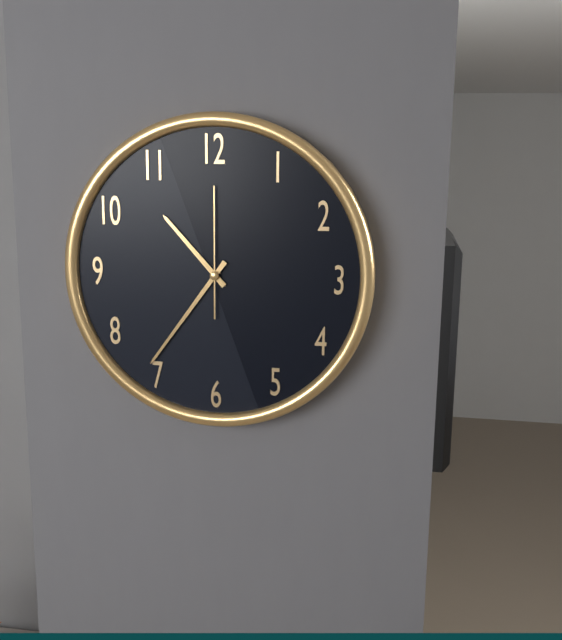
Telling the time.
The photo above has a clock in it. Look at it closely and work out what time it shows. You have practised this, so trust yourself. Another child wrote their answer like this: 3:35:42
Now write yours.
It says 10:36:00
